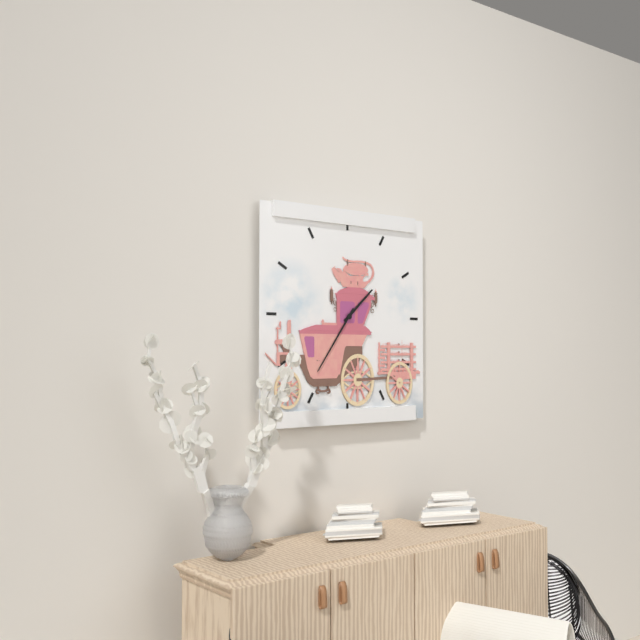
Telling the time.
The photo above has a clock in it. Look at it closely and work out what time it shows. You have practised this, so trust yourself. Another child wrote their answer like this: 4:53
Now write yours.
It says 1:36
